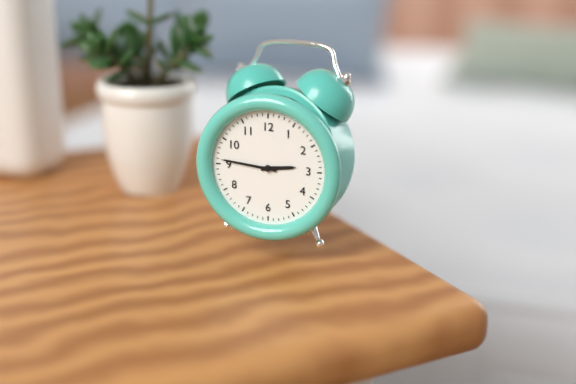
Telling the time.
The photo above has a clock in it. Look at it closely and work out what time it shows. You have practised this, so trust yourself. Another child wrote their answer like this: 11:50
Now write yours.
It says 2:46
